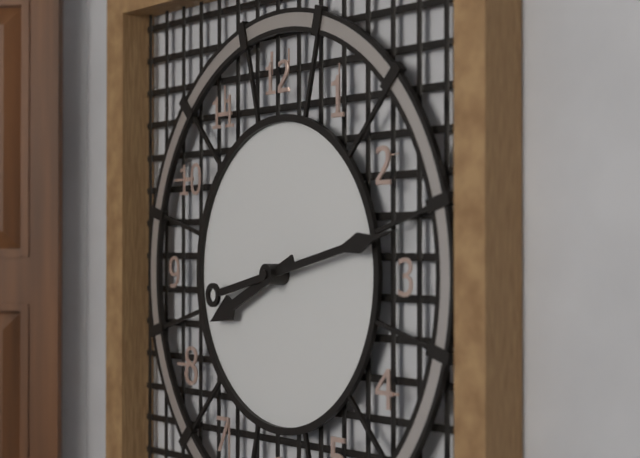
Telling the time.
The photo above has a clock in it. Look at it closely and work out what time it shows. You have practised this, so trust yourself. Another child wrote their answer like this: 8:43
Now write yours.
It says 8:13
